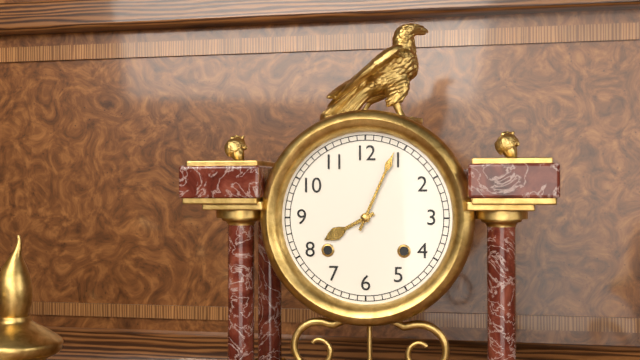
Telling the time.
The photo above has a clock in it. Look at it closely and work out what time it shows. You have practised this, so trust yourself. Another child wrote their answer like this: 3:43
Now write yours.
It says 8:04
